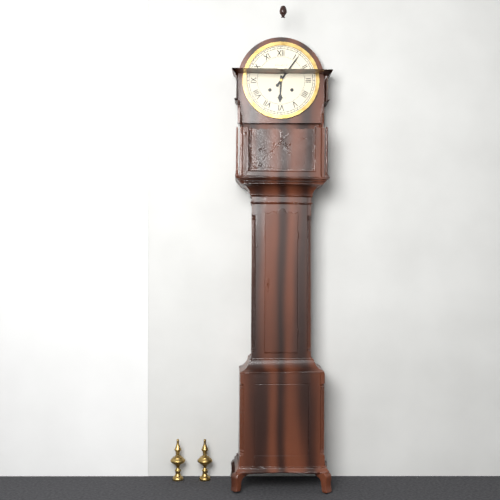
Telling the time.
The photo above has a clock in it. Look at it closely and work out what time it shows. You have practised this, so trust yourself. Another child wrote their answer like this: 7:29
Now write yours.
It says 6:06
